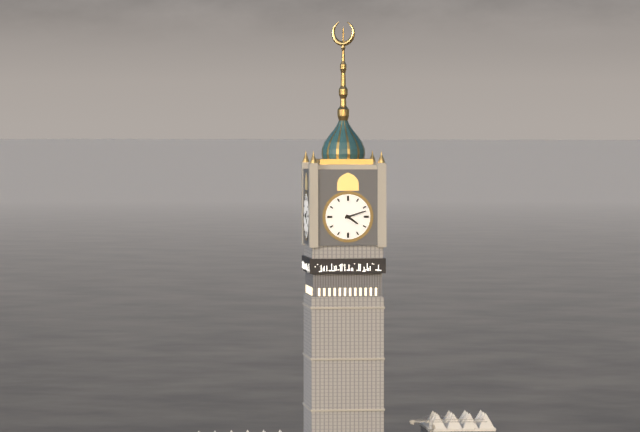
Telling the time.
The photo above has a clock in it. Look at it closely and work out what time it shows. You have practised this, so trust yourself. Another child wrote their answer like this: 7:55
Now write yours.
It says 4:12
